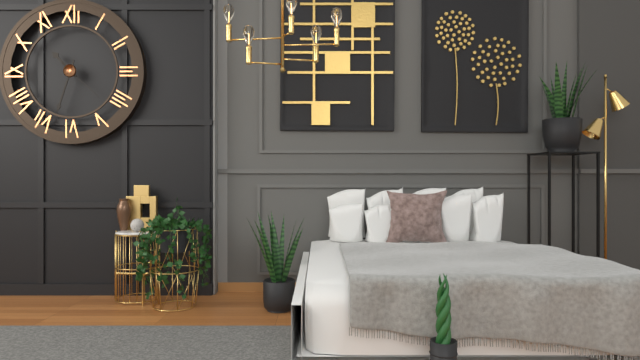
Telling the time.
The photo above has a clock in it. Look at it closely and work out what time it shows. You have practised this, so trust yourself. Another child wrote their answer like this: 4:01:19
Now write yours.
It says 10:33:22
